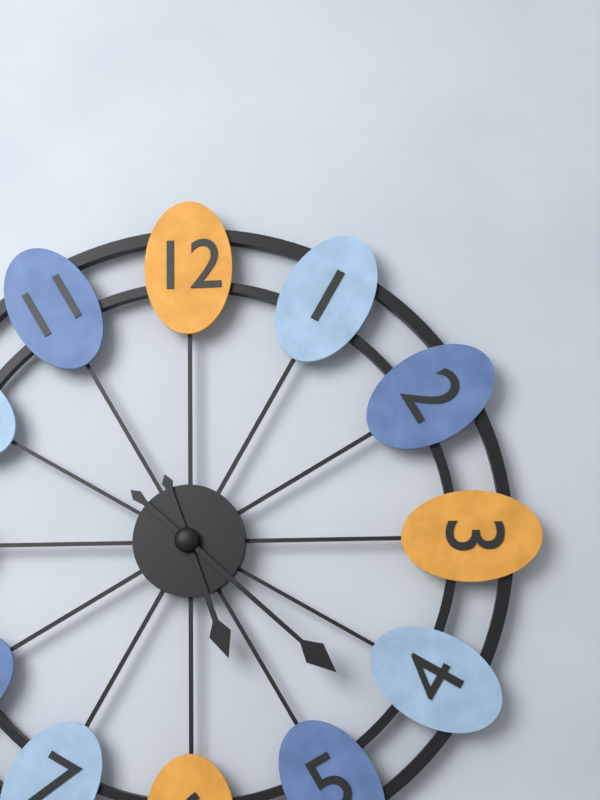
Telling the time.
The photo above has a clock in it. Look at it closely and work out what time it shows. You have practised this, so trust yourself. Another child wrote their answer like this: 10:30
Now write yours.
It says 5:22
